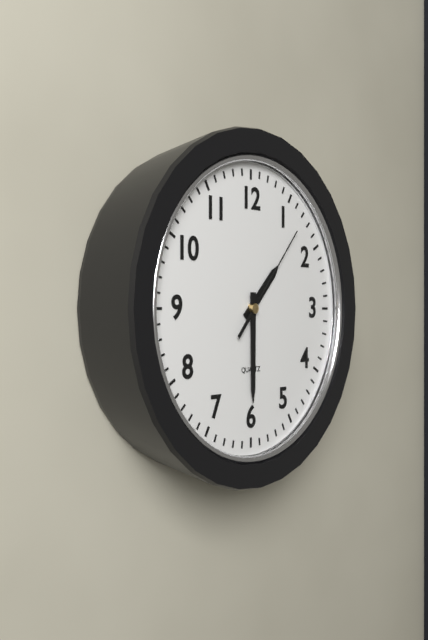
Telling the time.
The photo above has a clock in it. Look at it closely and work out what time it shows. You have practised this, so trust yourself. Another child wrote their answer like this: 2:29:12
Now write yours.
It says 1:30:07
